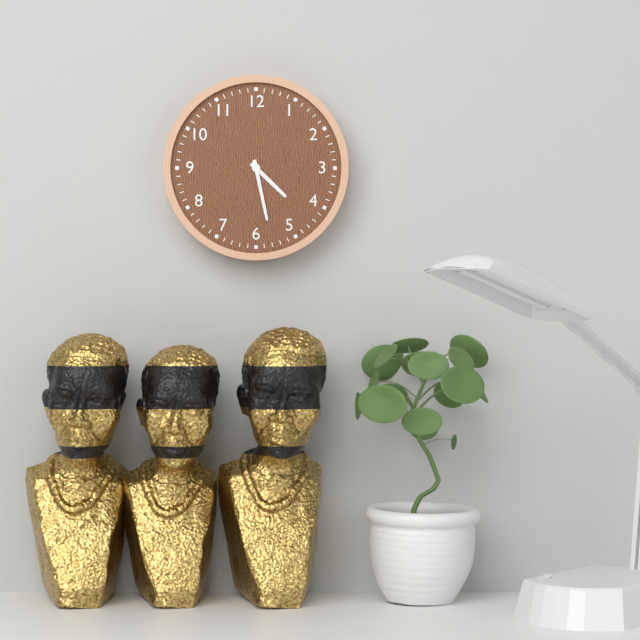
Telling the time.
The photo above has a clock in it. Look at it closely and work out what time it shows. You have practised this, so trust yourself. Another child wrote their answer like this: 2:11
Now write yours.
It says 4:28
